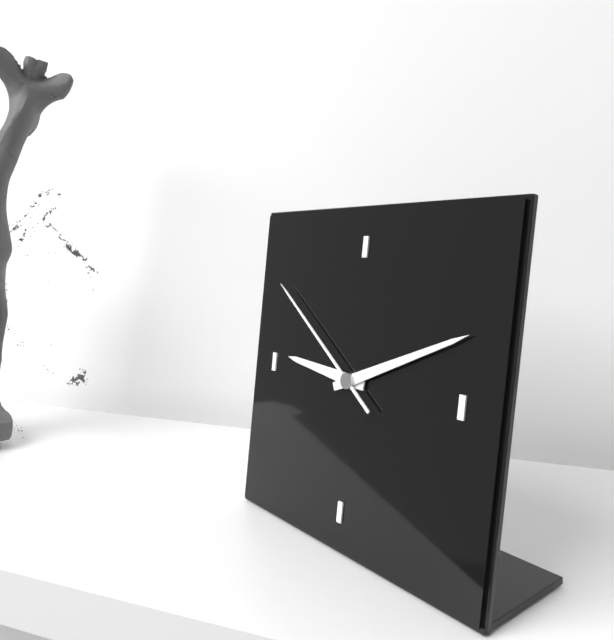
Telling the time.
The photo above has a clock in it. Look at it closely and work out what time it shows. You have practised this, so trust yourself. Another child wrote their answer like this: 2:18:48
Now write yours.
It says 9:11:51
